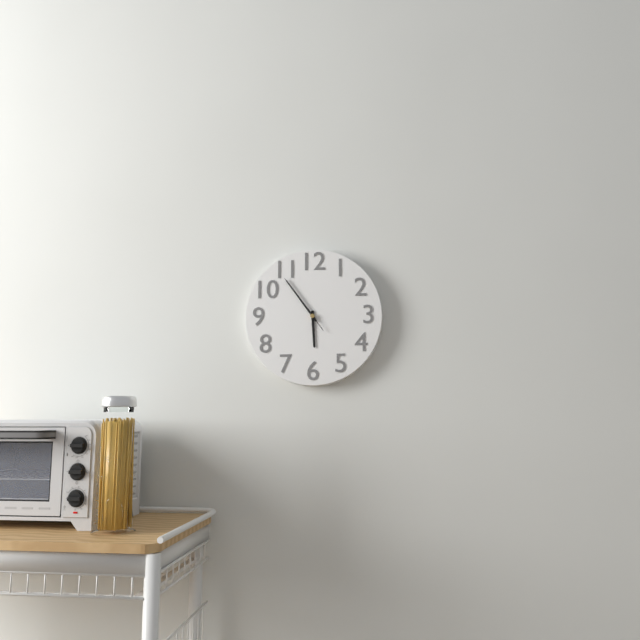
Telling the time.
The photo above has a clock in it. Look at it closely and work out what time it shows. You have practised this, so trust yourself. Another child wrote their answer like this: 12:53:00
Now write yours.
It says 5:54:54
